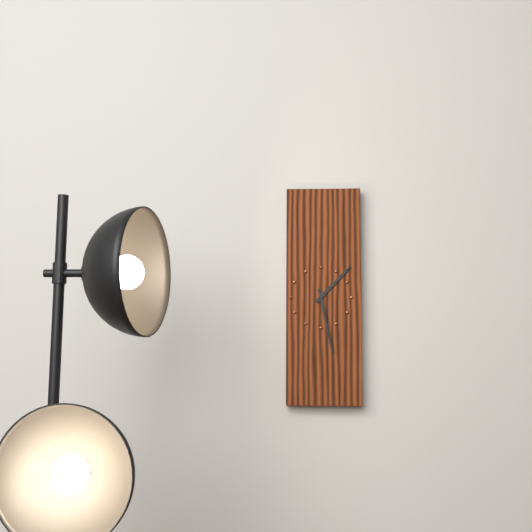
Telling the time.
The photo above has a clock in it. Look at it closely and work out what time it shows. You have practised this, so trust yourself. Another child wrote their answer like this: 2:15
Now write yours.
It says 1:28
